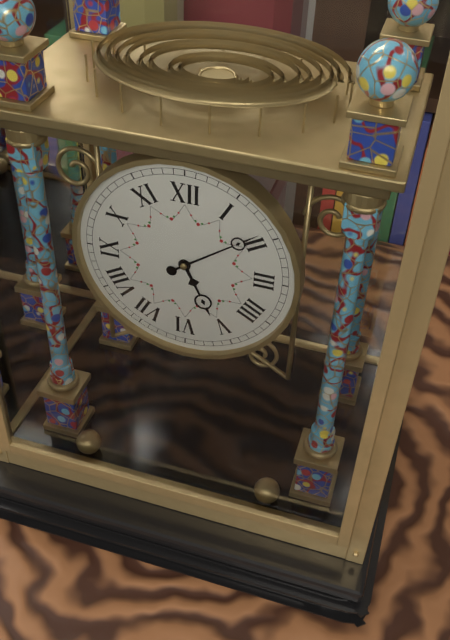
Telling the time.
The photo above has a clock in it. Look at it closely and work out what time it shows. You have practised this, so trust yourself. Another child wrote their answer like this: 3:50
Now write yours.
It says 5:09
